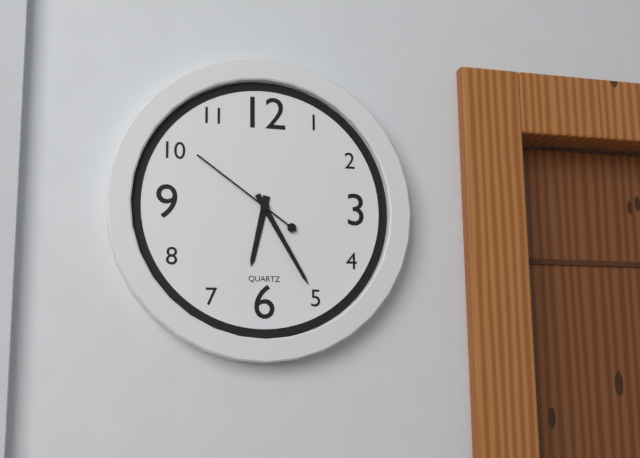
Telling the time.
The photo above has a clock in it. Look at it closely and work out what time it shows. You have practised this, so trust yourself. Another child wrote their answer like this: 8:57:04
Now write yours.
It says 6:25:51
